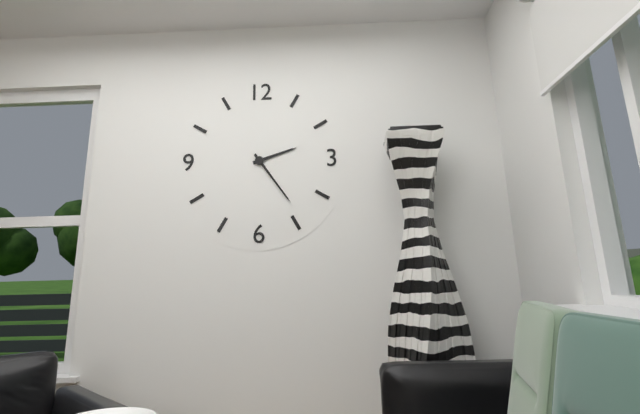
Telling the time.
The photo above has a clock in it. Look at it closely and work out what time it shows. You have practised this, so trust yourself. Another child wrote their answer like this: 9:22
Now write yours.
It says 2:24
